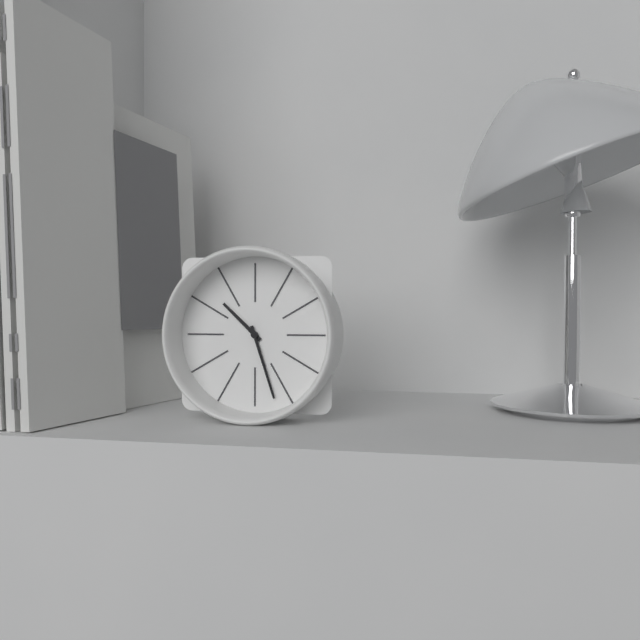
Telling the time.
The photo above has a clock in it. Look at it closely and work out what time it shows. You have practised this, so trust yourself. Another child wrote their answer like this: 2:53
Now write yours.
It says 10:27
